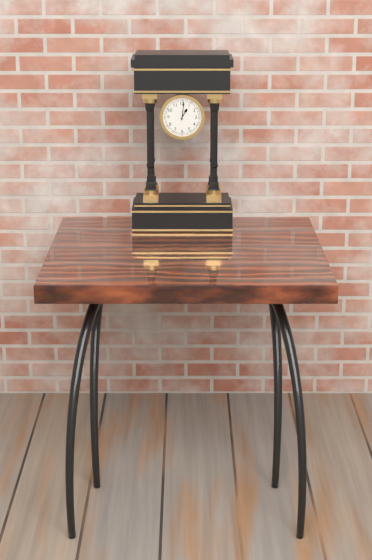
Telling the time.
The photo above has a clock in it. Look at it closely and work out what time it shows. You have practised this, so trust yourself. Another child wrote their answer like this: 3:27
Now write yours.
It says 1:01
